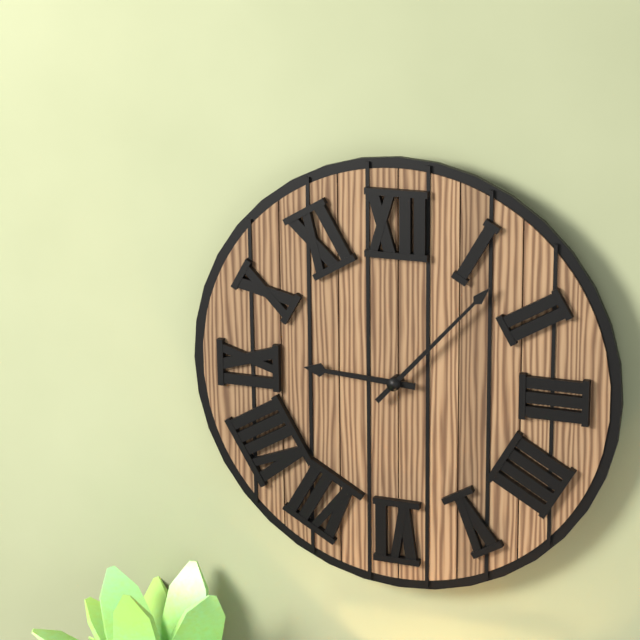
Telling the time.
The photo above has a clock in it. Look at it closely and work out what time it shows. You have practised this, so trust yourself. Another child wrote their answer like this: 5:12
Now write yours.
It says 9:07
